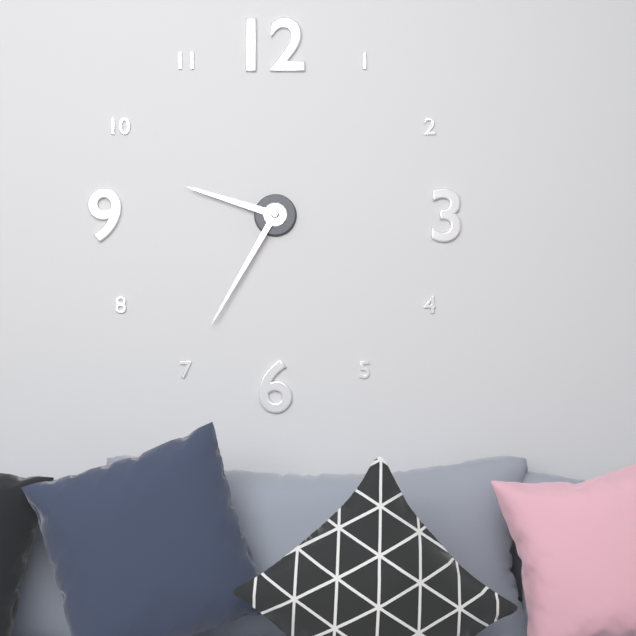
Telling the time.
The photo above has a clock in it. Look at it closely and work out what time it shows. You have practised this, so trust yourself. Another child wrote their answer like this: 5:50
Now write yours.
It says 9:35
